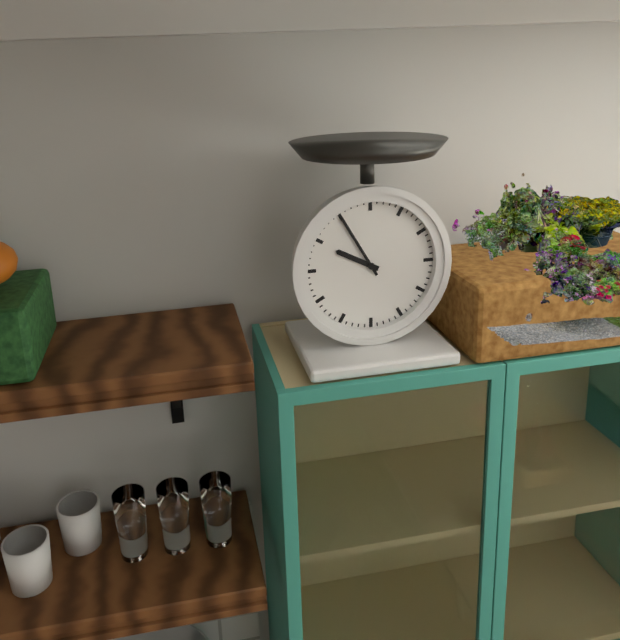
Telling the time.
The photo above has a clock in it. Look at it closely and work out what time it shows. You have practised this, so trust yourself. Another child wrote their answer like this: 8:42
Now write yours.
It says 9:55
